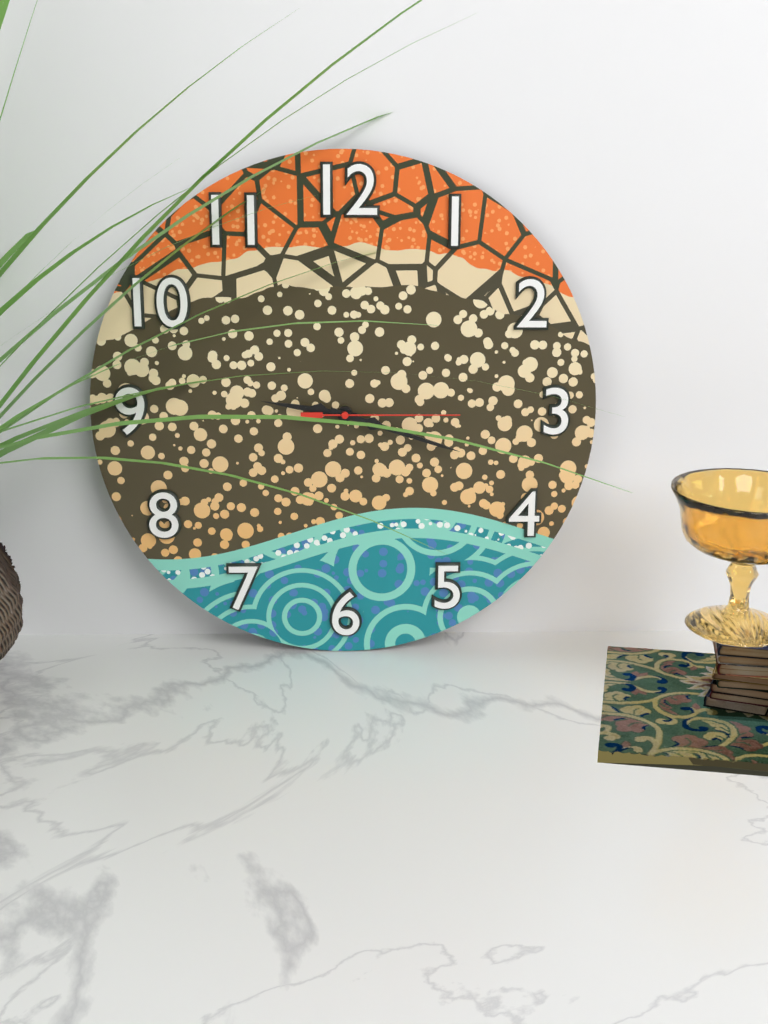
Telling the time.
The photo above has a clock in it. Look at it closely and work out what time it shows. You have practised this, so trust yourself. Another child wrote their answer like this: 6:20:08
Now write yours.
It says 9:18:15
